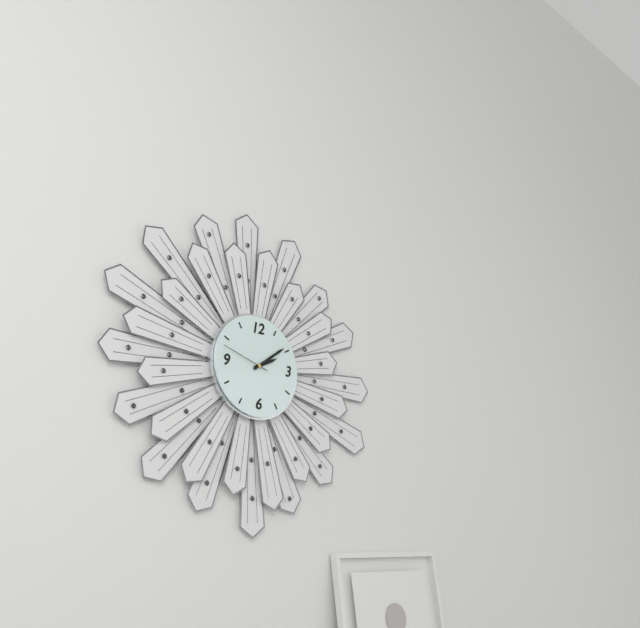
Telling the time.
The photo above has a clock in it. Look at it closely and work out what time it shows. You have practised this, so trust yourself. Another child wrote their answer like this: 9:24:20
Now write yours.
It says 2:09:48
